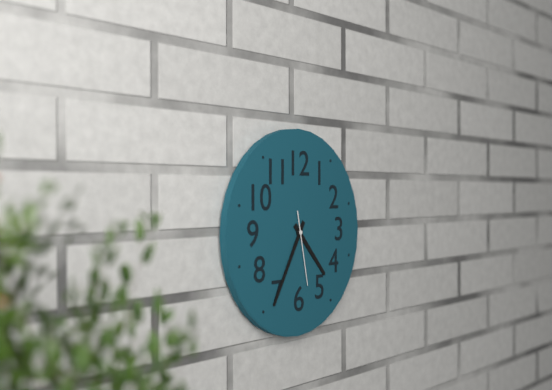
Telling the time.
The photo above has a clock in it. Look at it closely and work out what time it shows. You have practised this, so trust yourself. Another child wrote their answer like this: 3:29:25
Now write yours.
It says 4:35:28
